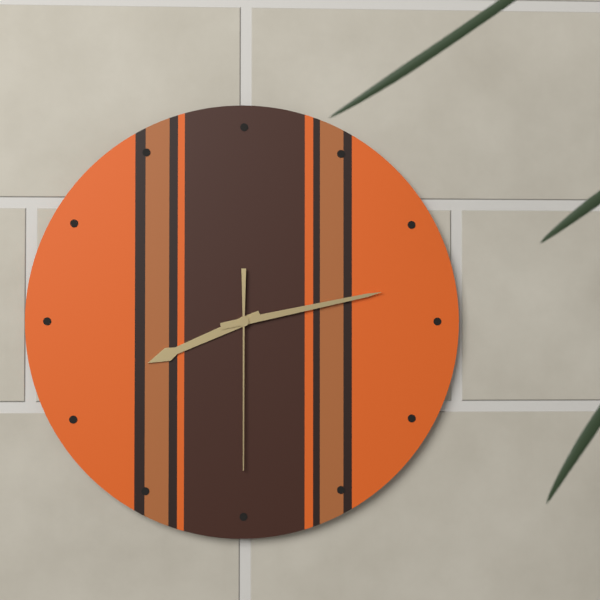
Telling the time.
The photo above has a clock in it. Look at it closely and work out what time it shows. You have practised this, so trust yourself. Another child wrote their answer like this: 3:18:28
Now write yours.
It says 8:13:30
